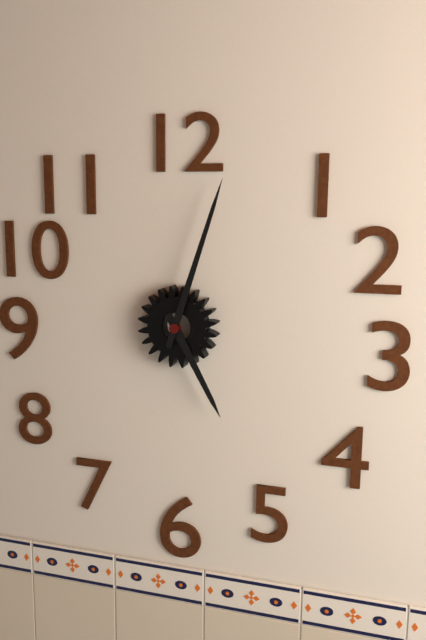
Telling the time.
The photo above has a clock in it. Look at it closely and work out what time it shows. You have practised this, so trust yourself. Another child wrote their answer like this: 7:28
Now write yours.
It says 5:03
